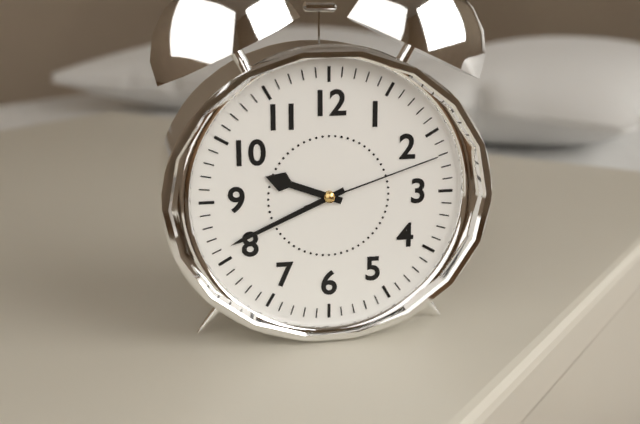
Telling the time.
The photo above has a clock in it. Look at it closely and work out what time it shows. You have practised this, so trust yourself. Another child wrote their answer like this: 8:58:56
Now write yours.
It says 9:41:12
